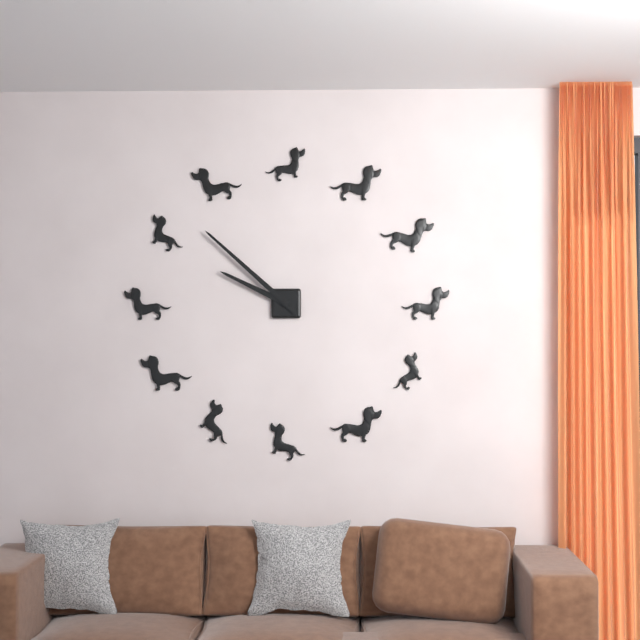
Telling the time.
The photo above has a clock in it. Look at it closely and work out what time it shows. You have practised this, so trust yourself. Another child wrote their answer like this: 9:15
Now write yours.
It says 9:52
